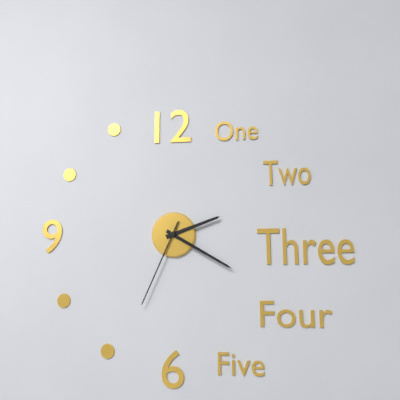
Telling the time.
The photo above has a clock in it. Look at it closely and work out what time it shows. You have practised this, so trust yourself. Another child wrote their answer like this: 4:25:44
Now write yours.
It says 2:20:34
